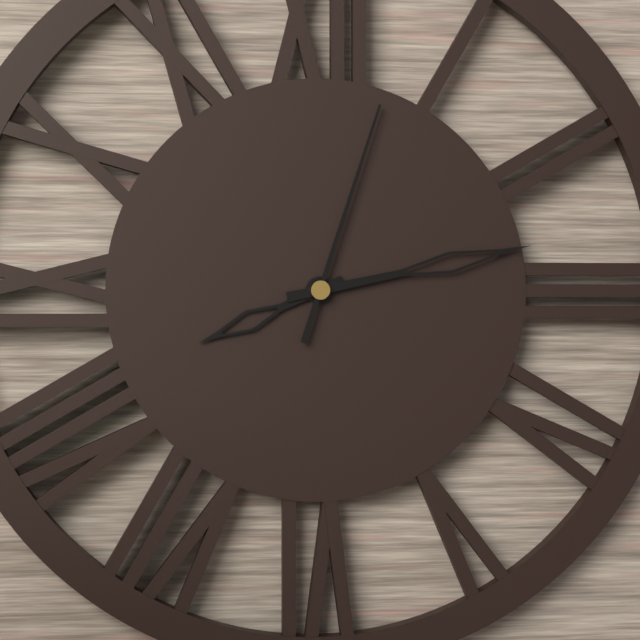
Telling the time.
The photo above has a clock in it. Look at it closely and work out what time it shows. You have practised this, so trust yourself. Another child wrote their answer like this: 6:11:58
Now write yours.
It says 8:13:03
